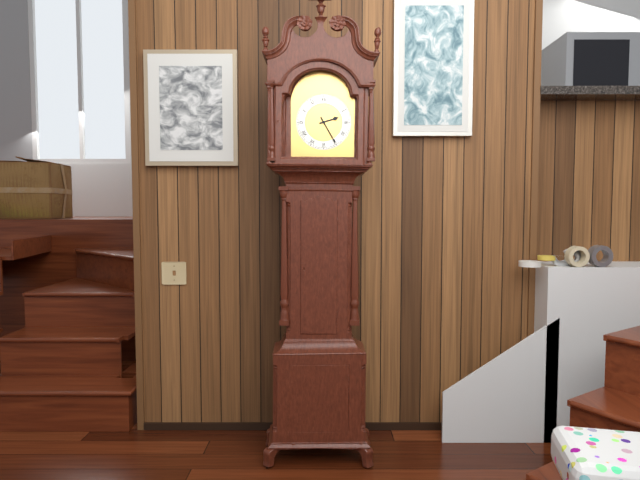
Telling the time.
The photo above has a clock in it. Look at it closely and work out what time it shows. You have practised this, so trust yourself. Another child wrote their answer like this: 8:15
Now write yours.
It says 2:25
